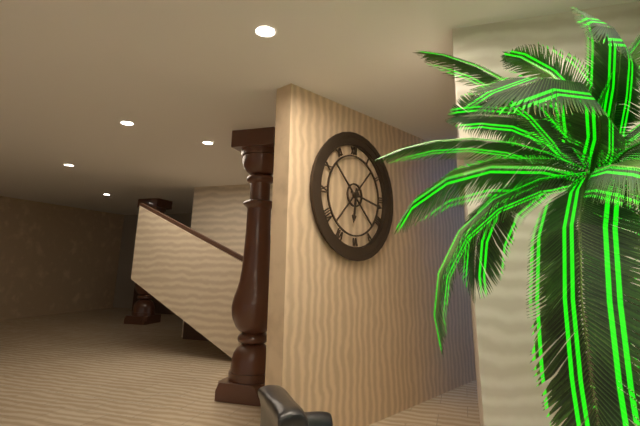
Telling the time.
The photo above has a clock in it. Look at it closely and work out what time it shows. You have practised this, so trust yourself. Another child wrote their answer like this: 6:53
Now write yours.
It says 6:17
